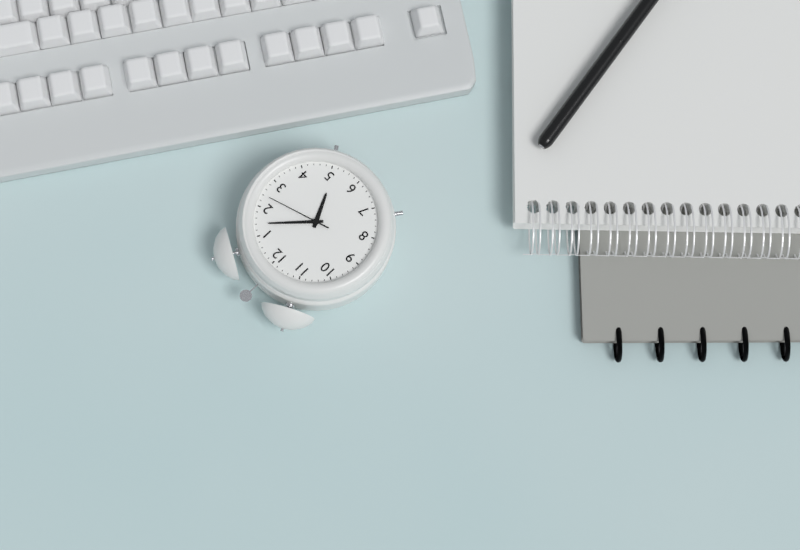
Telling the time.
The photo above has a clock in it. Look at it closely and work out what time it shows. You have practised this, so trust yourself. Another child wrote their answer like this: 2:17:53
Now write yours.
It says 5:07:12
